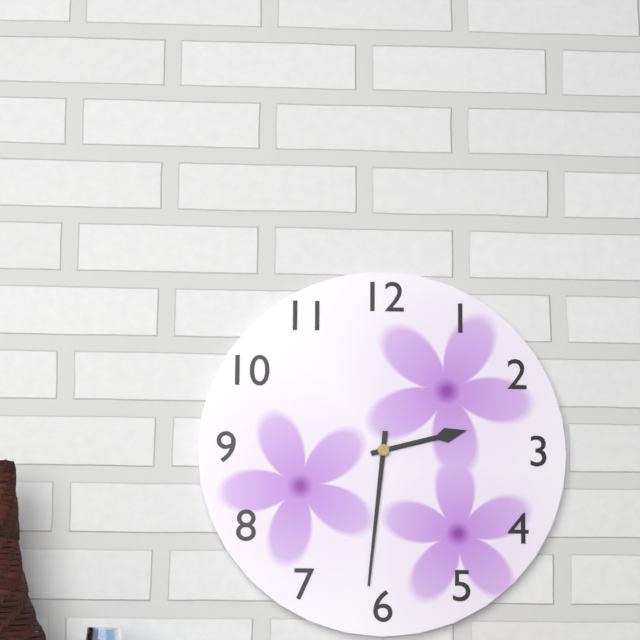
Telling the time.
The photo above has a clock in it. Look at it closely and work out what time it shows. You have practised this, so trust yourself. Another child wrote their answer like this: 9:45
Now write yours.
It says 2:31
